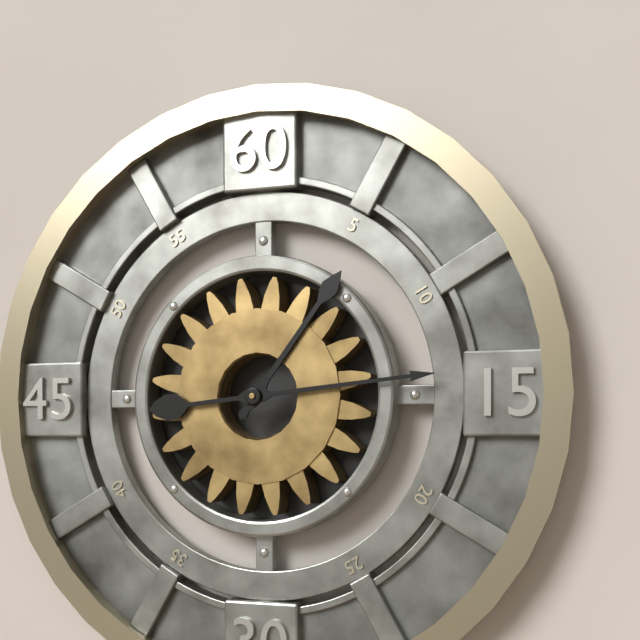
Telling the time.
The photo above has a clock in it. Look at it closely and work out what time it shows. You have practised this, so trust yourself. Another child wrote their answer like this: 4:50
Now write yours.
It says 1:14
